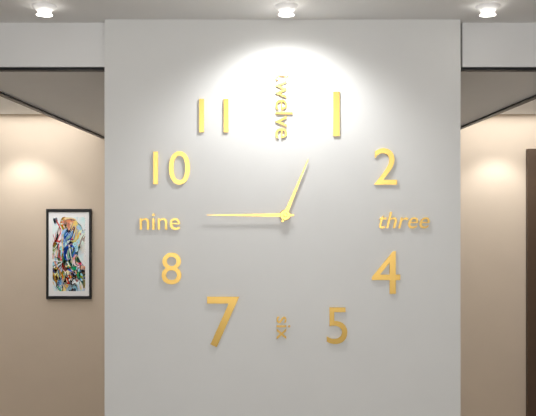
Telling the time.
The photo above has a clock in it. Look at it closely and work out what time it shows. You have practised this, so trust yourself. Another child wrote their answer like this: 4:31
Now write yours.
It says 12:45
